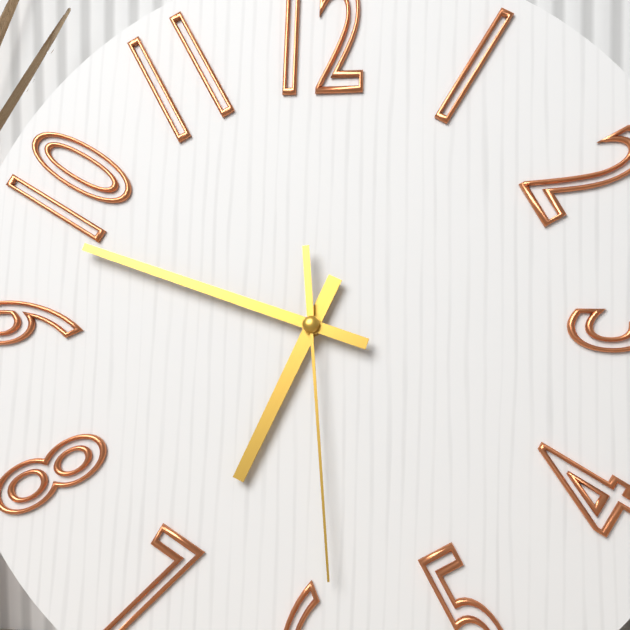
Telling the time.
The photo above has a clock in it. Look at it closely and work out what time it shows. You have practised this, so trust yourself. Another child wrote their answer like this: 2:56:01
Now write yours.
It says 6:48:29
